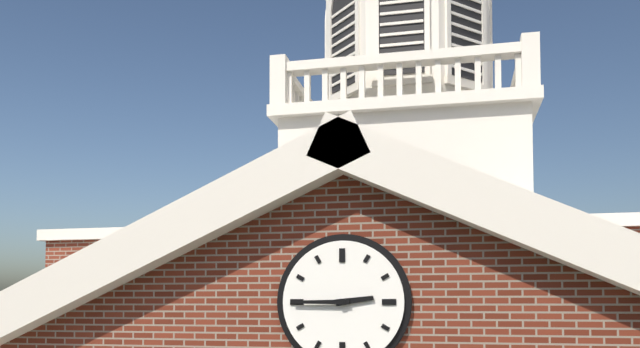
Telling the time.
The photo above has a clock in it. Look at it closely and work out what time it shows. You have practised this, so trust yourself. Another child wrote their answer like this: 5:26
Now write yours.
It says 2:45
